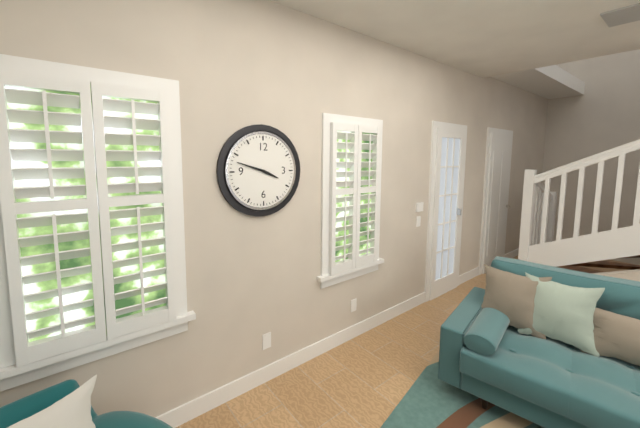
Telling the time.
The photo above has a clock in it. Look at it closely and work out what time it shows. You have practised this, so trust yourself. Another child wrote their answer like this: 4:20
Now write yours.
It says 3:48
